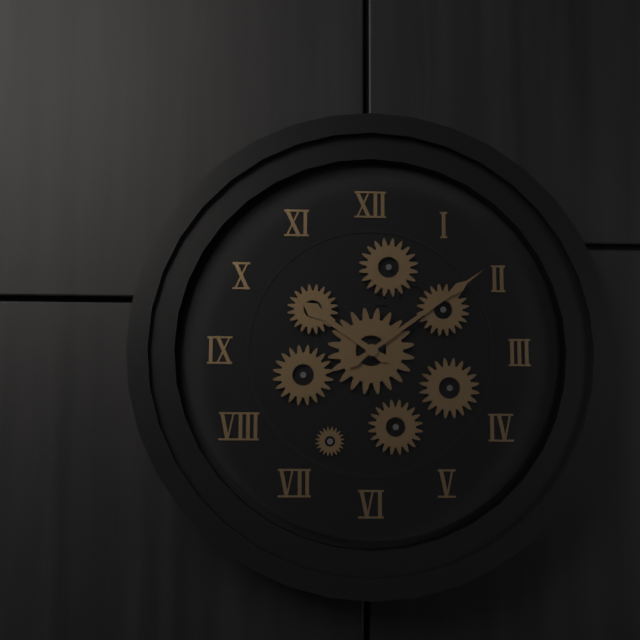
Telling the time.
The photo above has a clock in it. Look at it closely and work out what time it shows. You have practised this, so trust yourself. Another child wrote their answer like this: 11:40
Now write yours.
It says 10:09
